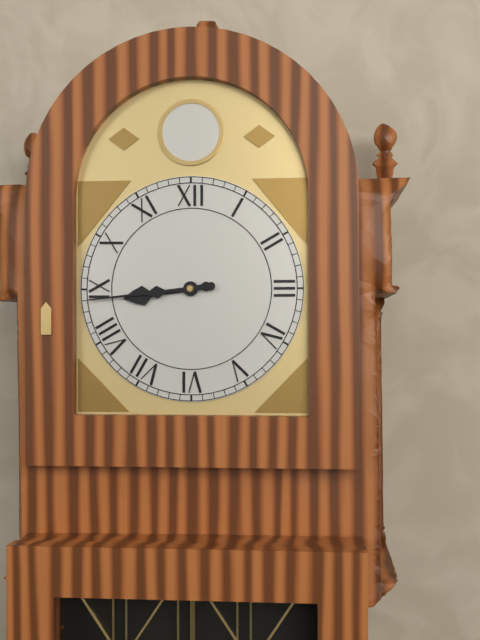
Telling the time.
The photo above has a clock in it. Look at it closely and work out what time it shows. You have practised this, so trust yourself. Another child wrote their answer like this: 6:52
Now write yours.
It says 8:44
